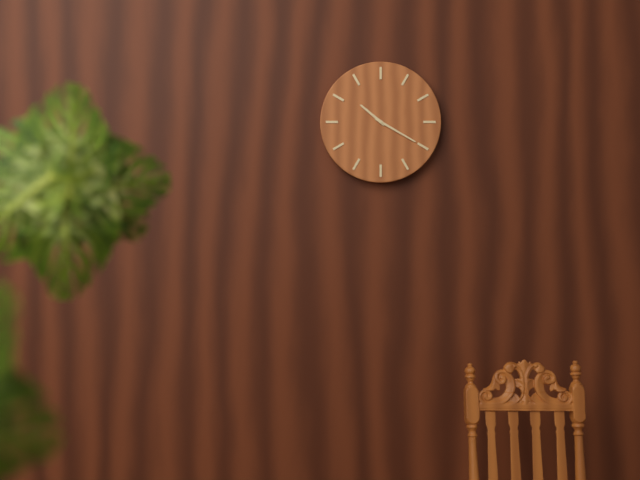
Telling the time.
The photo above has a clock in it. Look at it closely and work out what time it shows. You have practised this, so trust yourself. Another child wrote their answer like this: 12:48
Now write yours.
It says 10:20
